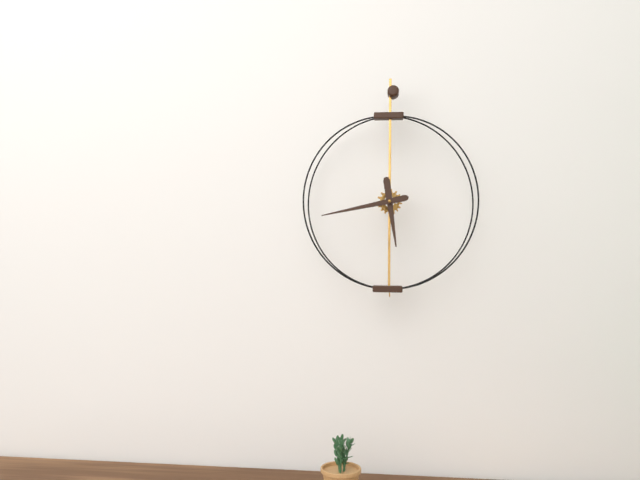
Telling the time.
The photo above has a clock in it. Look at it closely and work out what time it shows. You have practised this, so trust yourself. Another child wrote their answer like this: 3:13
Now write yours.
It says 5:43
